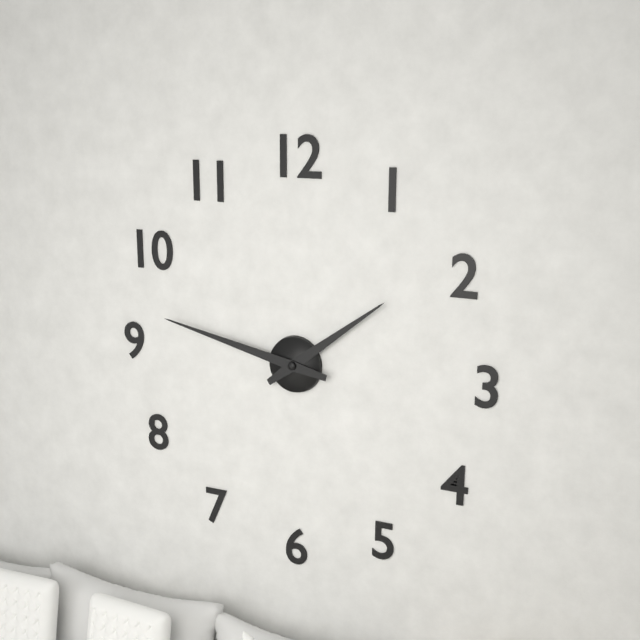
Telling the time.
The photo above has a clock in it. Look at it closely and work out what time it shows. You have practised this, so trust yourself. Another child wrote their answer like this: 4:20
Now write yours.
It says 1:47
